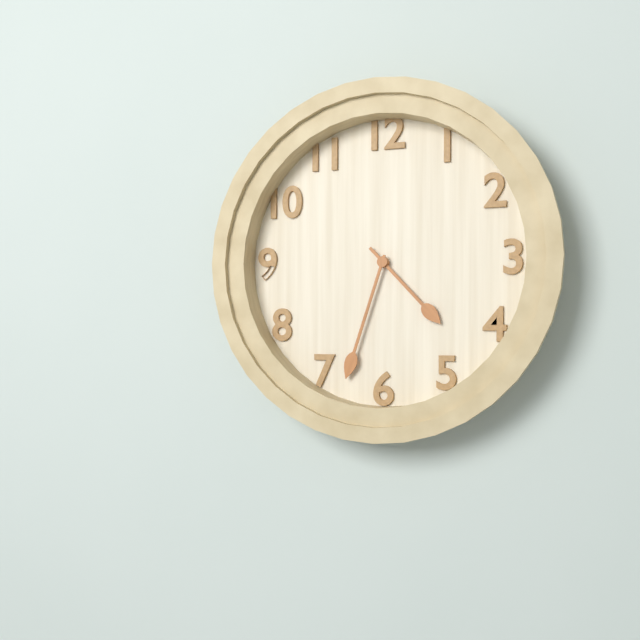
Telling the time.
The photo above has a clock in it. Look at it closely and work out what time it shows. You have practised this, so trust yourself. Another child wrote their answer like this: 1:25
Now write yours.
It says 4:33
